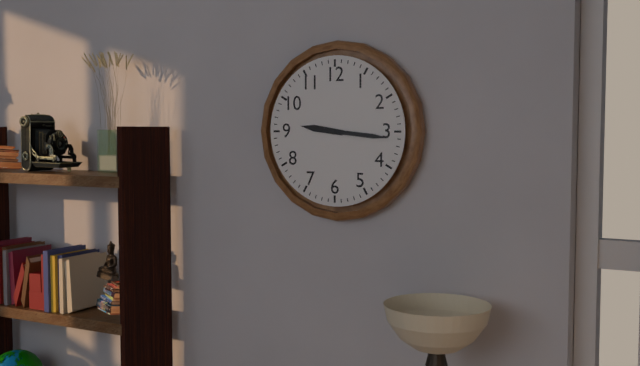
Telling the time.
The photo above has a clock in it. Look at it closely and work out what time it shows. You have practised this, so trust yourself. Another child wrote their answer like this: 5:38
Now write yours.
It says 9:16
